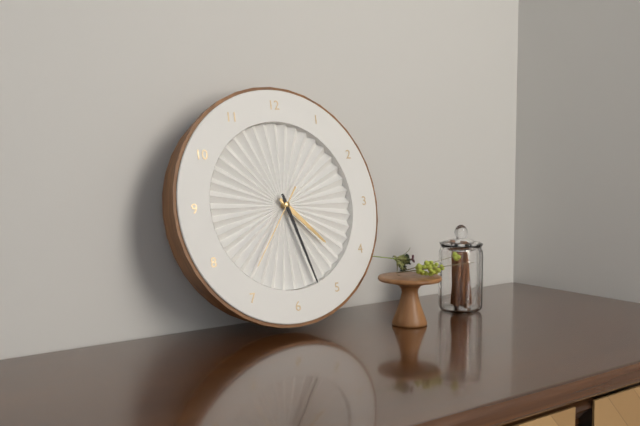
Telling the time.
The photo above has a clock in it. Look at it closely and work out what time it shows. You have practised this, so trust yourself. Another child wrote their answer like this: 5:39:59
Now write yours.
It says 4:27:36
